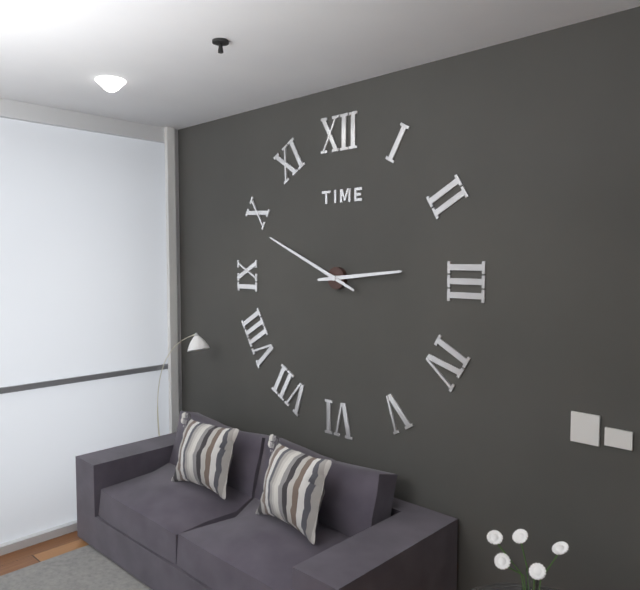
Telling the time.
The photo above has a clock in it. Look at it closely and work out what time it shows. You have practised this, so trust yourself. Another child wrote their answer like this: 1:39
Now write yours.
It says 2:49
